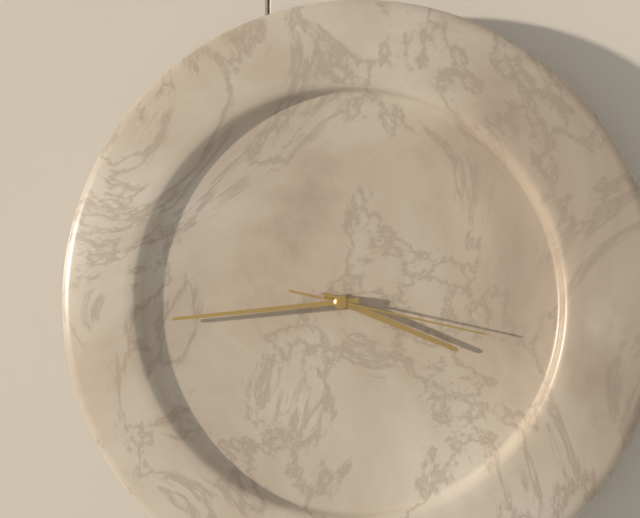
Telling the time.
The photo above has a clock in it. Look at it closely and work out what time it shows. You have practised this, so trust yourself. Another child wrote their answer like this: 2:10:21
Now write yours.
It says 3:44:17
